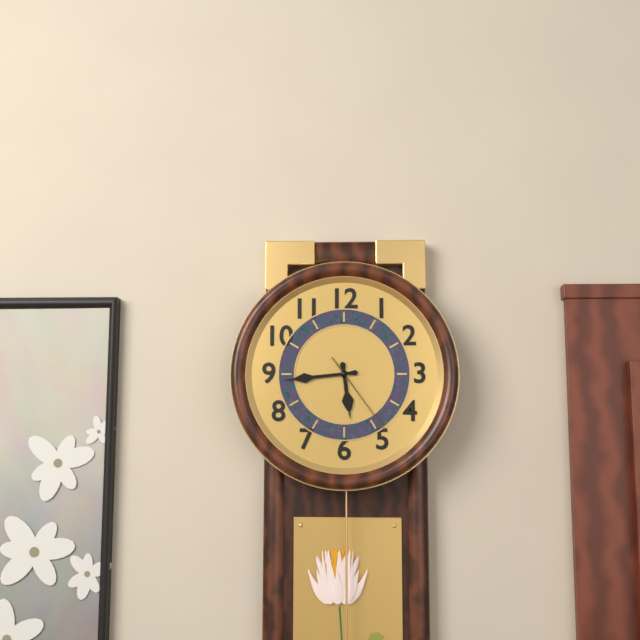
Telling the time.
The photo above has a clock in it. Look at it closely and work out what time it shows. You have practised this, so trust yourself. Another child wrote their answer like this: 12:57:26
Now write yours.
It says 5:44:24
